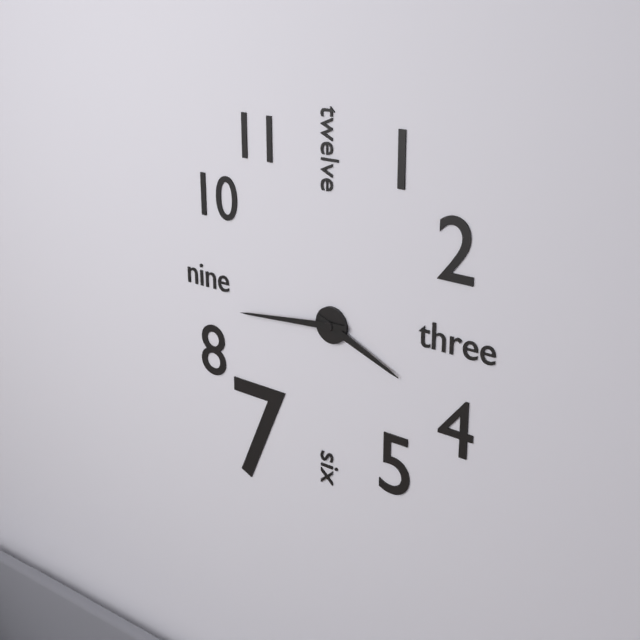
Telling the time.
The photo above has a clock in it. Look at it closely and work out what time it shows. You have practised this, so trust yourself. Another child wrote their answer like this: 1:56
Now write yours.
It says 3:44
